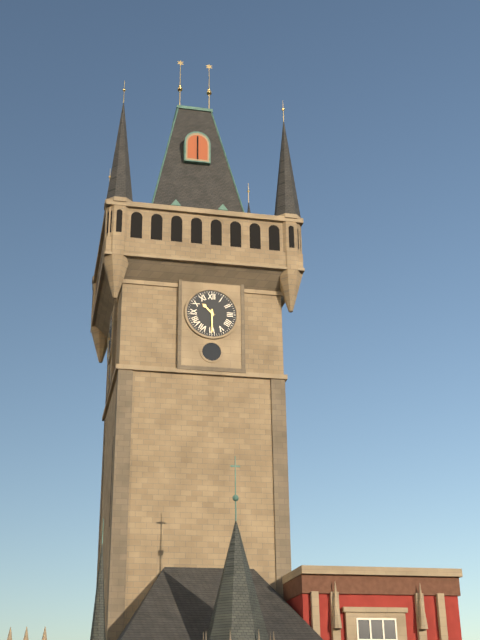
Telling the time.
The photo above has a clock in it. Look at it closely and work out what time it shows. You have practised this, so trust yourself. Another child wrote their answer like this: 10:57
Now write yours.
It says 10:30
